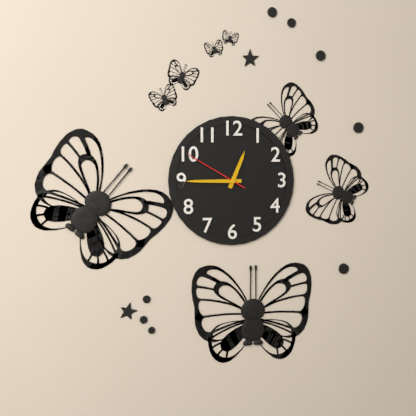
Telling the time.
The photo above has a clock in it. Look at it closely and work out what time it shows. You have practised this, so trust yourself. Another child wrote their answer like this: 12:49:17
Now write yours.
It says 12:45:50
